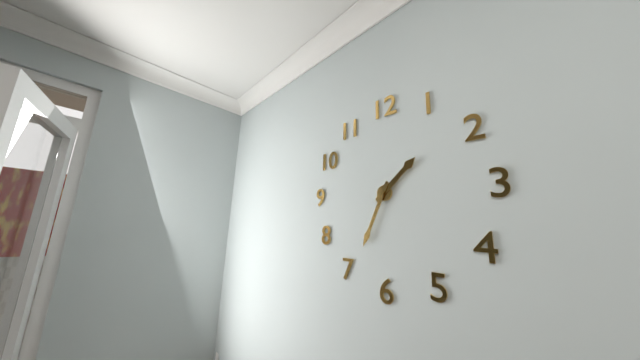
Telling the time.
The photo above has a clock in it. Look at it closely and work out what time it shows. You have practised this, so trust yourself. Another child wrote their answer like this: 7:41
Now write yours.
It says 1:34
